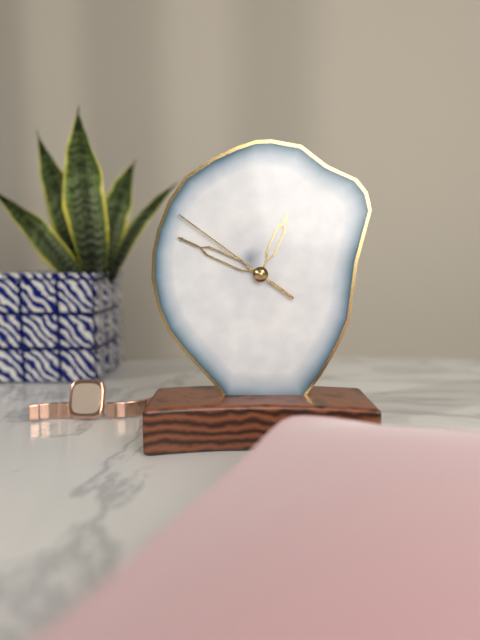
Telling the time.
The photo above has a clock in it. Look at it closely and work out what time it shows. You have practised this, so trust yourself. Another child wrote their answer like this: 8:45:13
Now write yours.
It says 12:49:51
